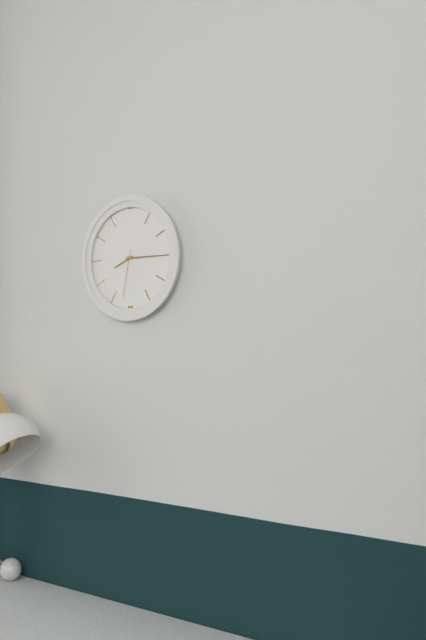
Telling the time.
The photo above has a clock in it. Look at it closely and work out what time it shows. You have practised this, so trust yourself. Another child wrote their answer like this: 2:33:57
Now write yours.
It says 8:15:32
